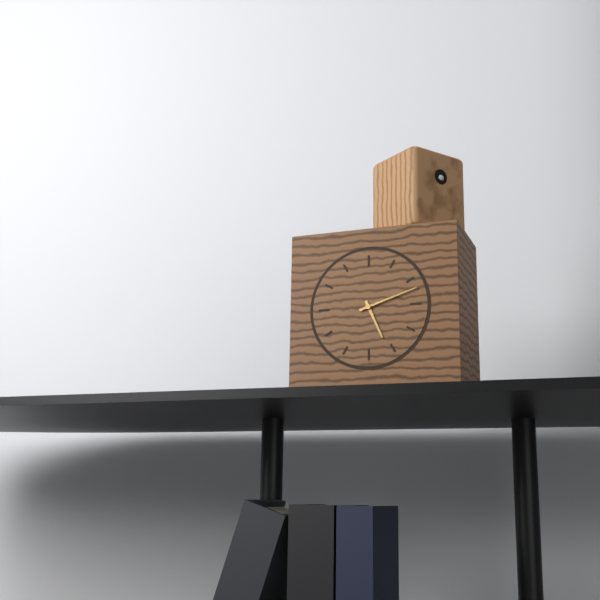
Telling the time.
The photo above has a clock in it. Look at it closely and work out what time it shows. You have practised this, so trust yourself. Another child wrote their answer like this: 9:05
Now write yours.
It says 5:12
